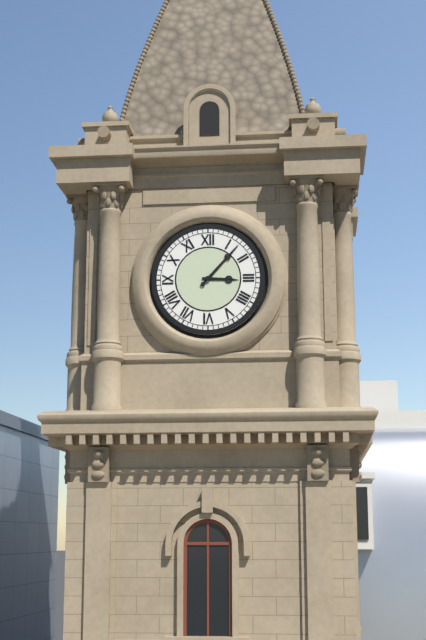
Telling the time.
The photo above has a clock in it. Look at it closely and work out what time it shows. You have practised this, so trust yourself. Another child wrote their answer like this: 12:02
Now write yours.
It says 3:07
